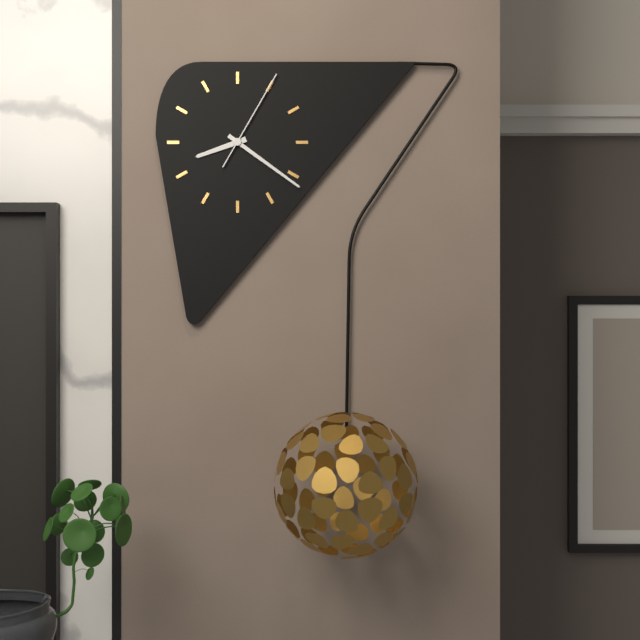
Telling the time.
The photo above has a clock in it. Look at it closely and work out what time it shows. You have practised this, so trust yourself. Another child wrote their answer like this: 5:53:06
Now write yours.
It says 8:21:05
